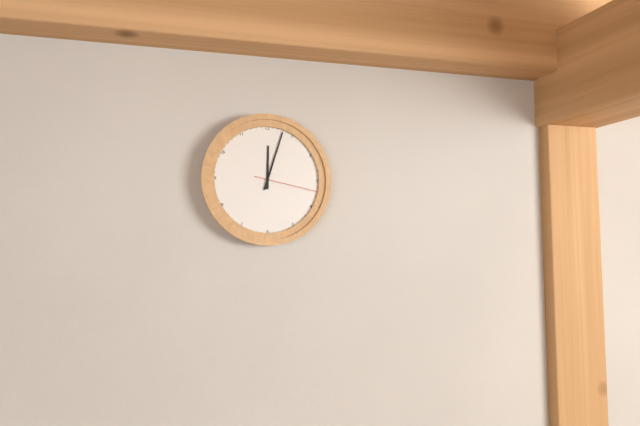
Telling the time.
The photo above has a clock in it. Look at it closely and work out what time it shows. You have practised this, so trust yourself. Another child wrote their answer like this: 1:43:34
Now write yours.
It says 12:03:17
